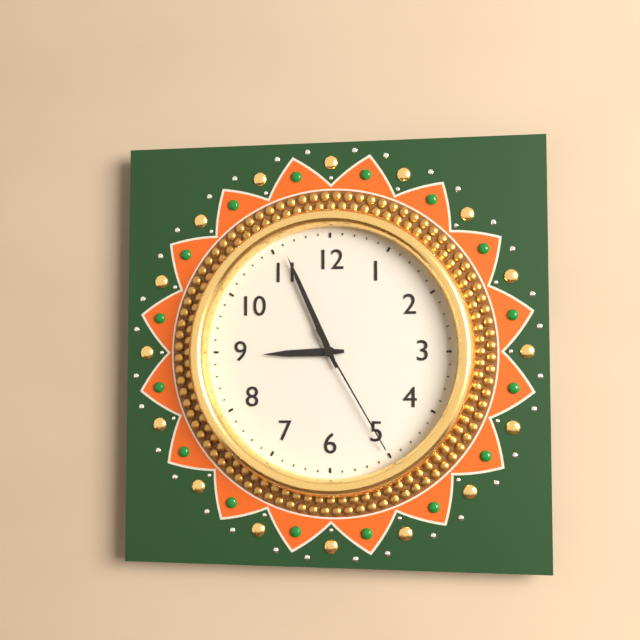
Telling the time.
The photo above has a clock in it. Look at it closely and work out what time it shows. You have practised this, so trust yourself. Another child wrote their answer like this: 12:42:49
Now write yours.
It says 8:56:25
